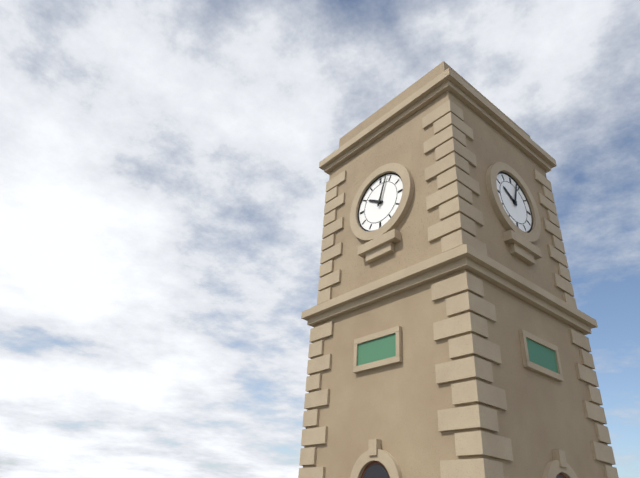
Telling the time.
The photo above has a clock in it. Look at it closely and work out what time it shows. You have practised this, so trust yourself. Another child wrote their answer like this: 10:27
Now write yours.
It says 10:03
